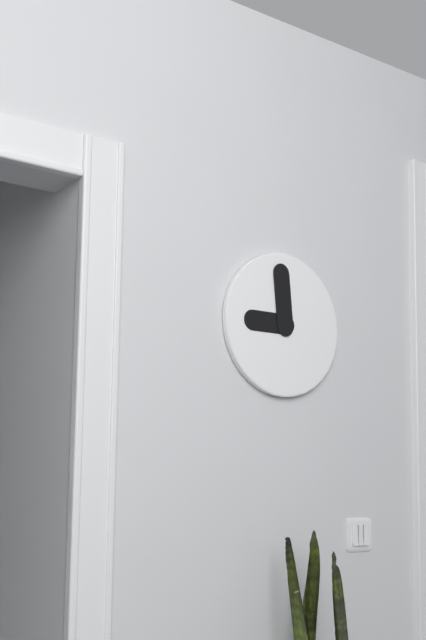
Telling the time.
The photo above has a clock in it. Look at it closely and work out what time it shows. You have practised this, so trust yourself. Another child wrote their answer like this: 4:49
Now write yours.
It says 8:59
